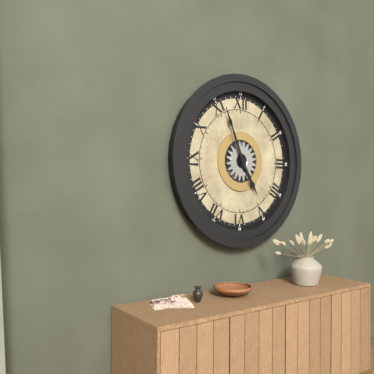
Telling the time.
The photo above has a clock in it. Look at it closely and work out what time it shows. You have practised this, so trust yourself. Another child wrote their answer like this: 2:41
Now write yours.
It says 4:56
